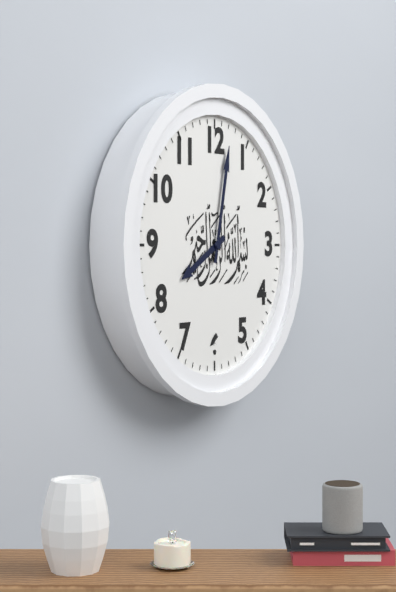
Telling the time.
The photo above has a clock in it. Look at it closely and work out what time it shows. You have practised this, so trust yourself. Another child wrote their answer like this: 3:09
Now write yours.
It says 8:02
